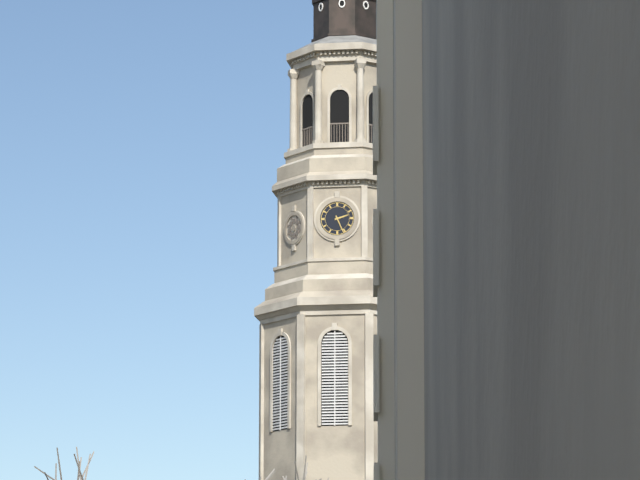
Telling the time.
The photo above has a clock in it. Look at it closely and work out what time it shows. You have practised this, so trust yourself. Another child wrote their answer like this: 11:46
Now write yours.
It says 2:26
